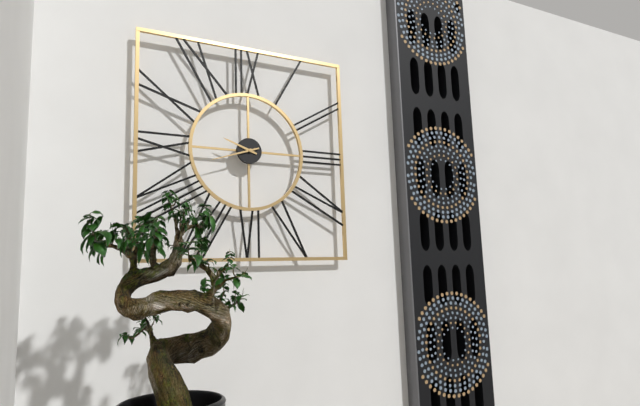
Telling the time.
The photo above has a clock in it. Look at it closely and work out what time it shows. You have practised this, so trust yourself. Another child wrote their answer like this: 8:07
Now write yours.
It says 9:42
